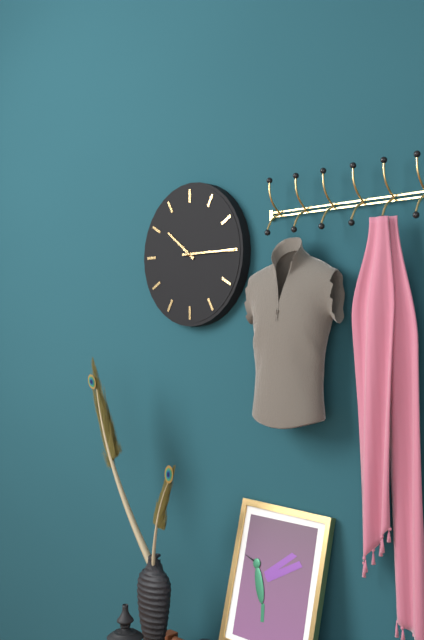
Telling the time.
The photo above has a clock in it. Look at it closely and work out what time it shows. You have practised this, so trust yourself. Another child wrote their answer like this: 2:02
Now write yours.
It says 10:15
